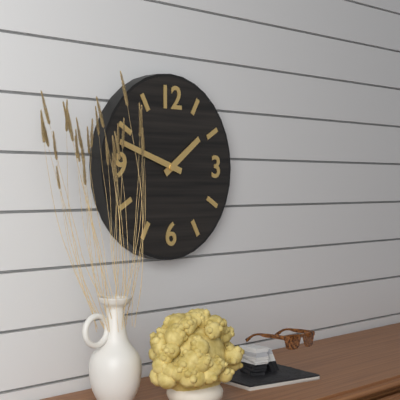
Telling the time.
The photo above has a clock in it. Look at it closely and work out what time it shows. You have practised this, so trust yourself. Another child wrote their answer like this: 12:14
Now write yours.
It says 1:48
